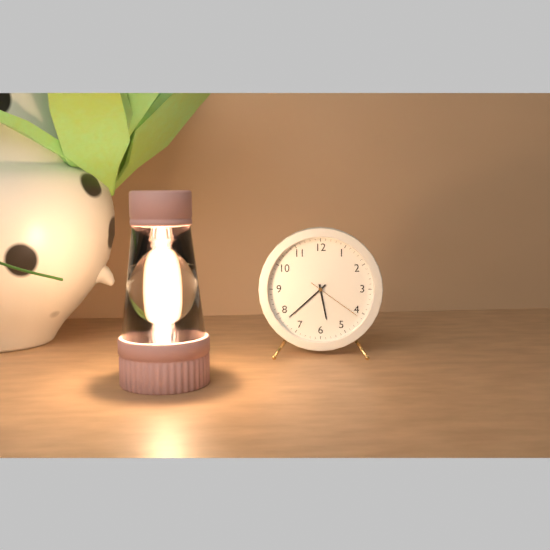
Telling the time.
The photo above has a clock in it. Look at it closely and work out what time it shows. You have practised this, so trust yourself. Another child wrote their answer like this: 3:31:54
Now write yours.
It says 5:38:21
